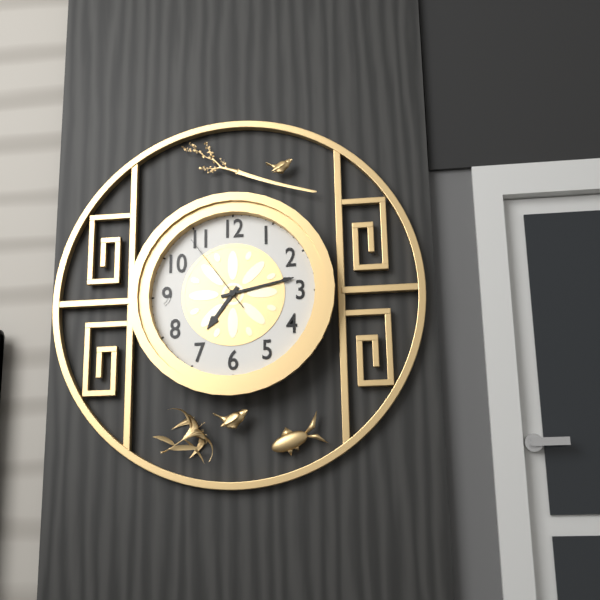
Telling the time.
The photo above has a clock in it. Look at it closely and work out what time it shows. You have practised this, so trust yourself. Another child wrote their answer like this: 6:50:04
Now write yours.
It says 7:13:54
